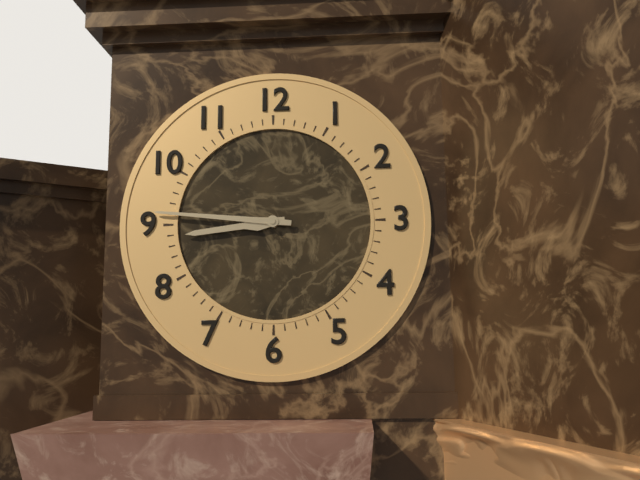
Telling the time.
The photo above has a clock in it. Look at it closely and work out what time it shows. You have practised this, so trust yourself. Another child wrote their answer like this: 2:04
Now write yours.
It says 8:46
